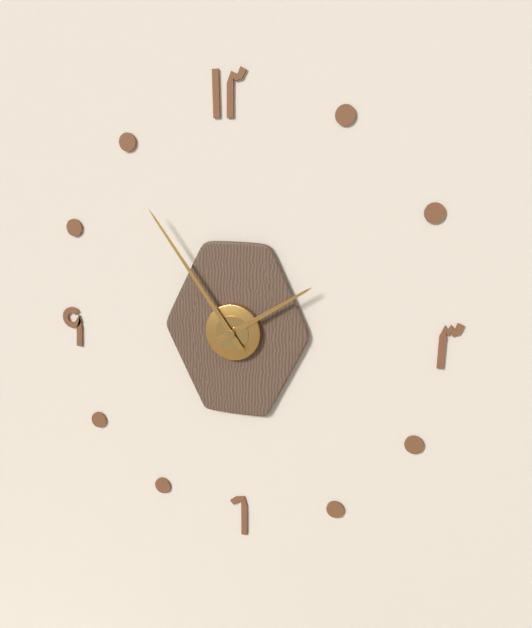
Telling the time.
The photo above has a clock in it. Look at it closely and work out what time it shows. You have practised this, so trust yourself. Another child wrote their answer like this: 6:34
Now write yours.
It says 1:54
